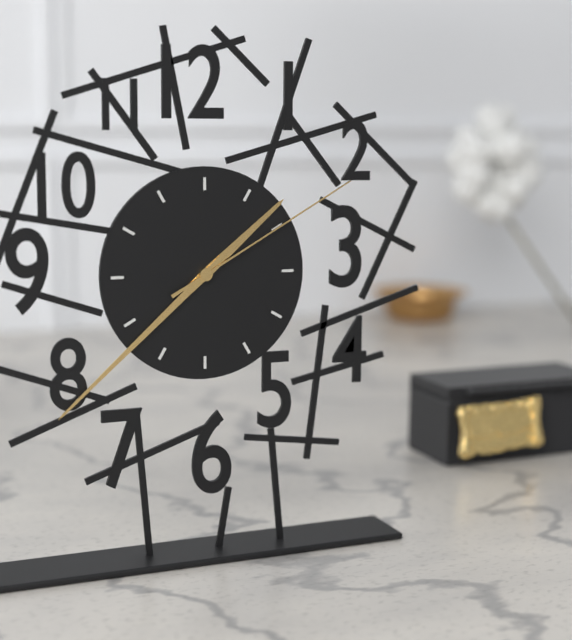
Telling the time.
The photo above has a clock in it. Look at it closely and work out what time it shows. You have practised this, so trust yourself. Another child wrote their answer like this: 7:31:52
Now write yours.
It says 1:38:10
